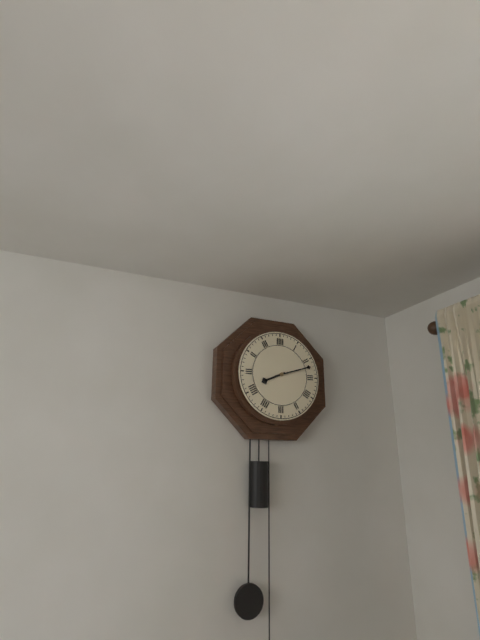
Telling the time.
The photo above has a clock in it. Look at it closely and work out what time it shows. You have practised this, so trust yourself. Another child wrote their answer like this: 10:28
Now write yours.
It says 8:12
